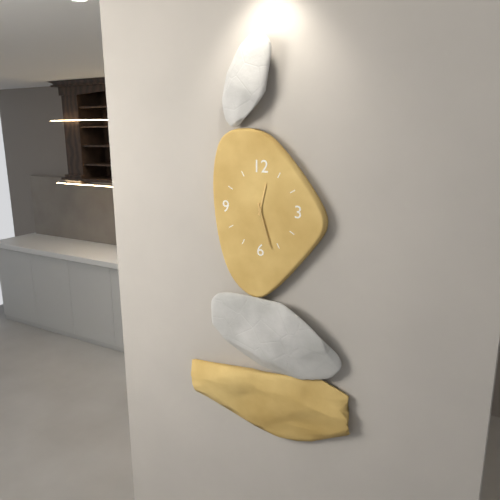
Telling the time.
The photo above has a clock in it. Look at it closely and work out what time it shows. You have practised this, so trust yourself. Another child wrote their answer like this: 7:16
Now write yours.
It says 12:27
